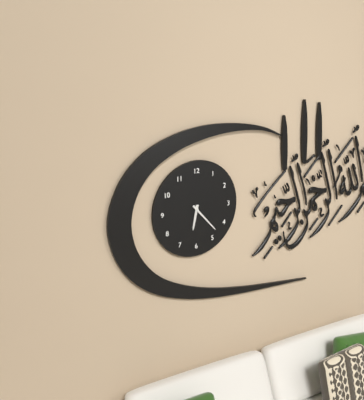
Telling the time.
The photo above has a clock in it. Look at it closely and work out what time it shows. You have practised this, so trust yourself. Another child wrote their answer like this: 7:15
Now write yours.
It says 6:23
